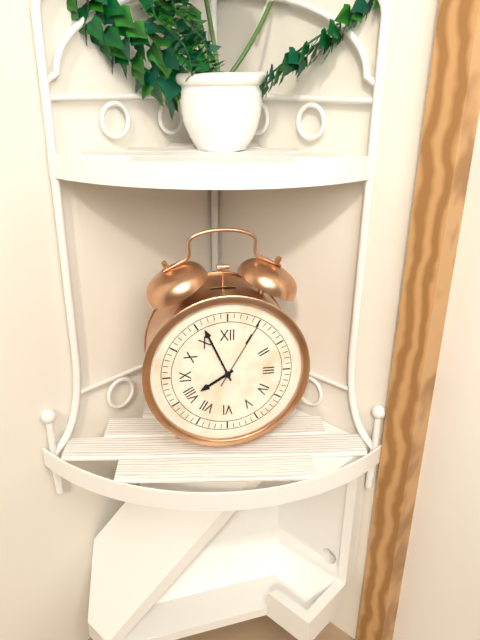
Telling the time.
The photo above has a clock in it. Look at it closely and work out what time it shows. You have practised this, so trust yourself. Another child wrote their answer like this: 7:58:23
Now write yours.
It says 7:56:05
